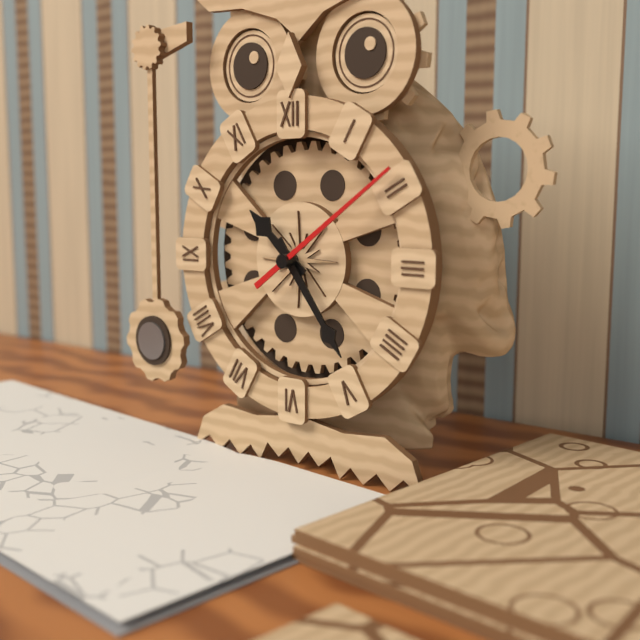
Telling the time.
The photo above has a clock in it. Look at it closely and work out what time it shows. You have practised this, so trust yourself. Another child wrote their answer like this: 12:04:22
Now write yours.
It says 10:24:09
